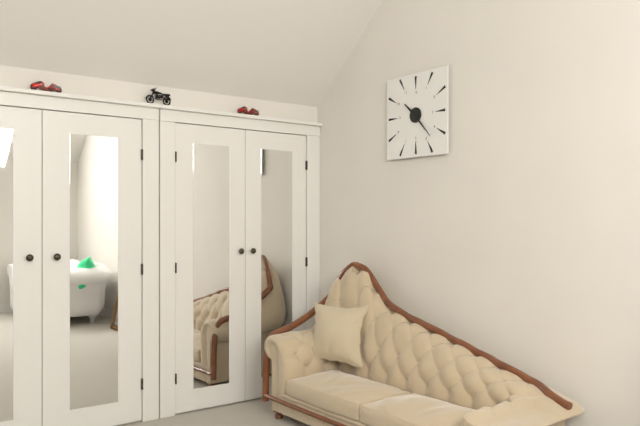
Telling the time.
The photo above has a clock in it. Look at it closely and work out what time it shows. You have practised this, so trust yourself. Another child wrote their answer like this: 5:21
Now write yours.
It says 10:23
